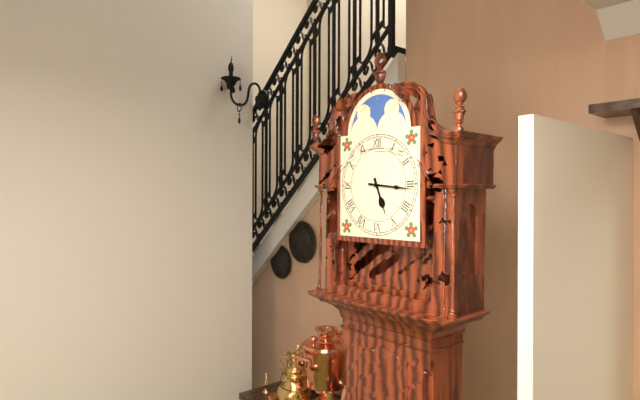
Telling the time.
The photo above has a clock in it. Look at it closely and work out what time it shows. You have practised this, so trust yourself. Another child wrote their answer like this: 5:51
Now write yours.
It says 5:16
